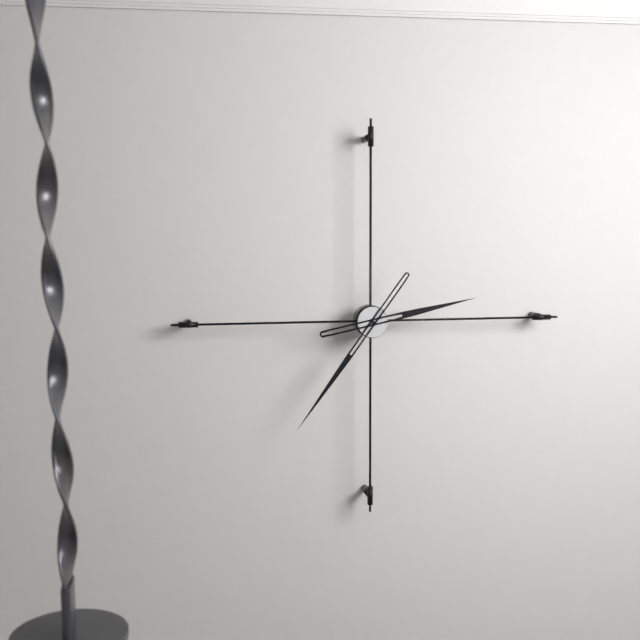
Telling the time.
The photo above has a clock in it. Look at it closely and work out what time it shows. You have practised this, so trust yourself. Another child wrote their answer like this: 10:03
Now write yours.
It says 2:36
